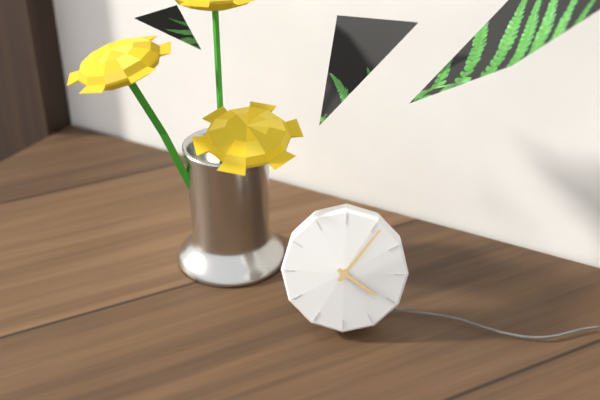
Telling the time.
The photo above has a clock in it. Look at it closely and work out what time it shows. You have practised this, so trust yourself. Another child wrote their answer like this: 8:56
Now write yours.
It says 4:06
